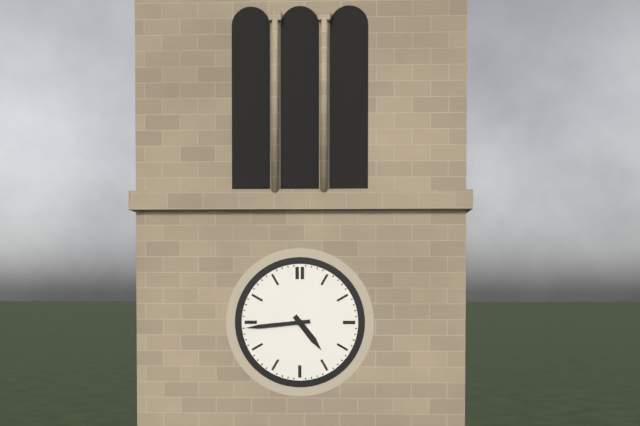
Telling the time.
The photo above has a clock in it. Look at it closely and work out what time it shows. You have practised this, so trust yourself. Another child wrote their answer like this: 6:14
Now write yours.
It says 4:44
